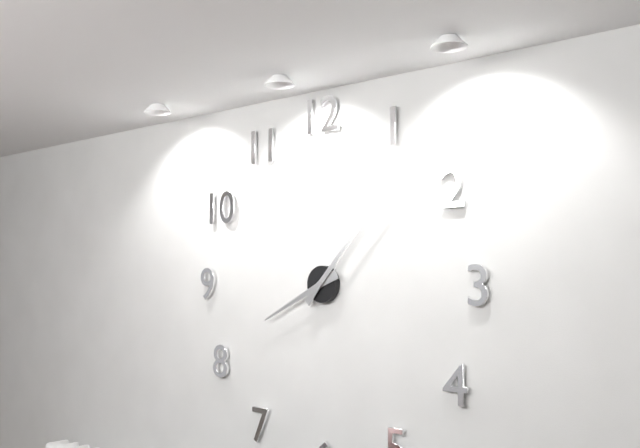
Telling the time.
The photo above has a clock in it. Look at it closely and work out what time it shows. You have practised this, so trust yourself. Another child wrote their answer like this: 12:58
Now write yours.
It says 8:07
